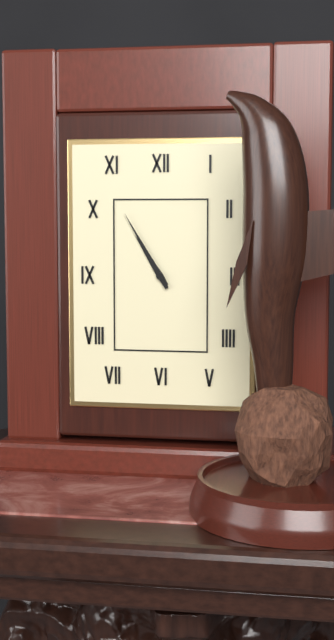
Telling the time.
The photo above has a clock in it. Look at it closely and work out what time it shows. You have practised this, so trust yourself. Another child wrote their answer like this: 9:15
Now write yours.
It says 10:55
